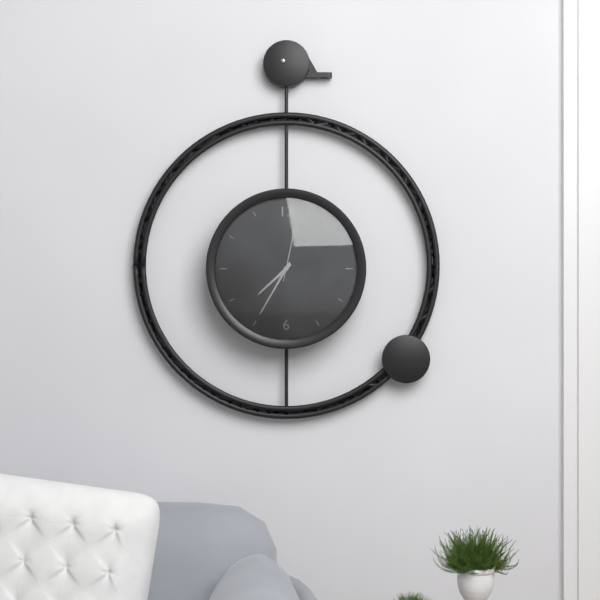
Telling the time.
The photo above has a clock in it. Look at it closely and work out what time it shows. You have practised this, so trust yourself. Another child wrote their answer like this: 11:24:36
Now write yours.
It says 7:35:02
